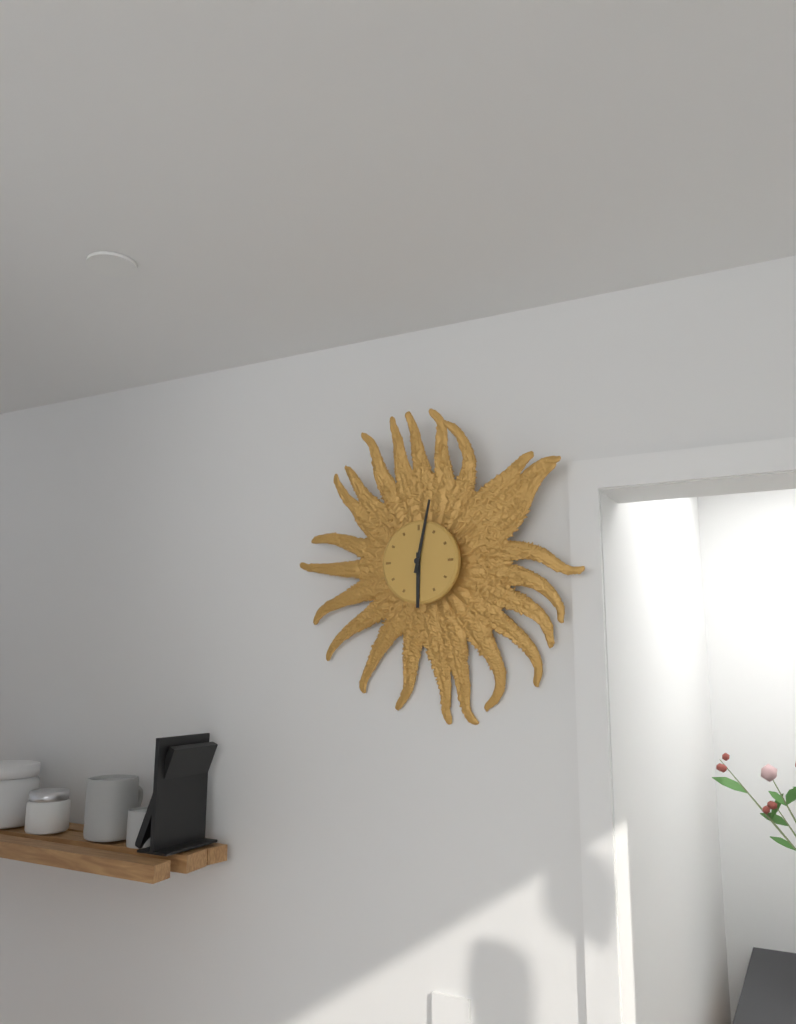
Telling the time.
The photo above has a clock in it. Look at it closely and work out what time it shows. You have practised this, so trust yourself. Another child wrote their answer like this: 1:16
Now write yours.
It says 6:02
